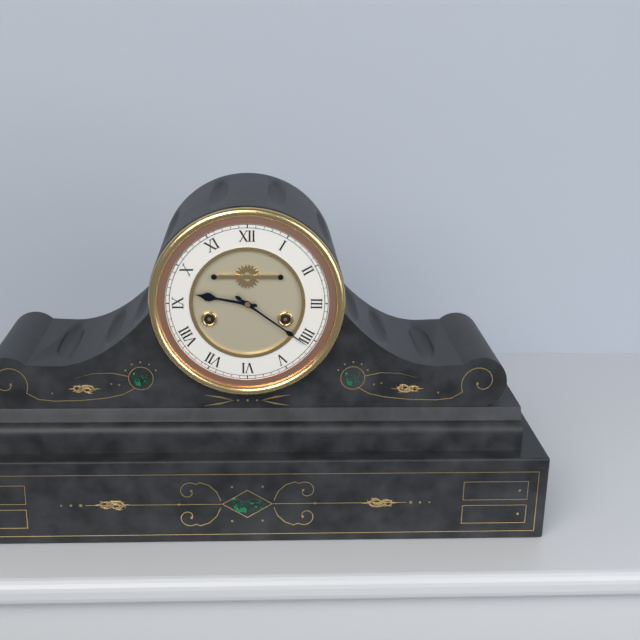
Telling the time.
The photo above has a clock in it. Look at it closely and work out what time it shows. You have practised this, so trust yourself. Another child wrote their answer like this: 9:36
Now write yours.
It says 9:21
